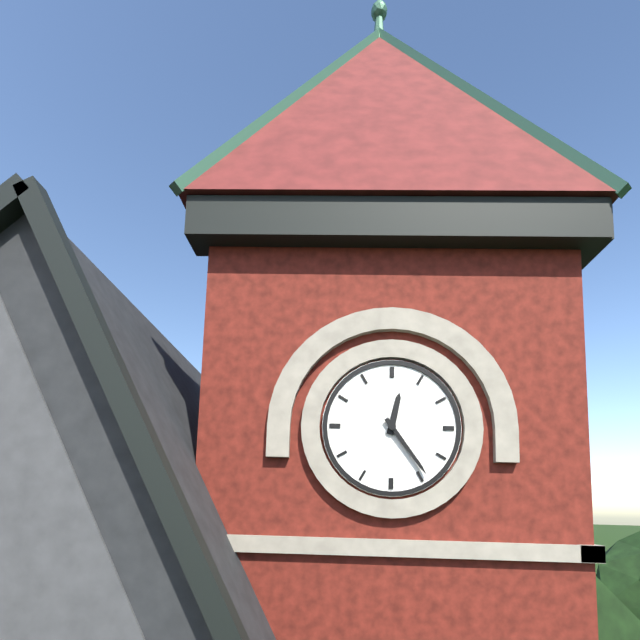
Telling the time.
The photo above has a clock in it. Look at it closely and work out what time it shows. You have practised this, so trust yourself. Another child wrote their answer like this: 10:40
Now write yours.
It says 12:24
